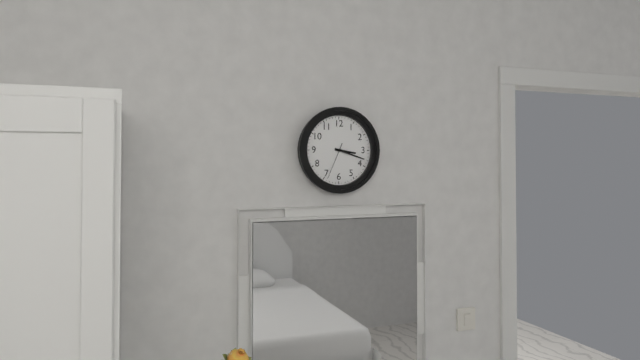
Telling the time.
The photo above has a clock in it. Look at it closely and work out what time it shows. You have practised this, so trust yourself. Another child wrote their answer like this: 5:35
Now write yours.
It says 3:18
